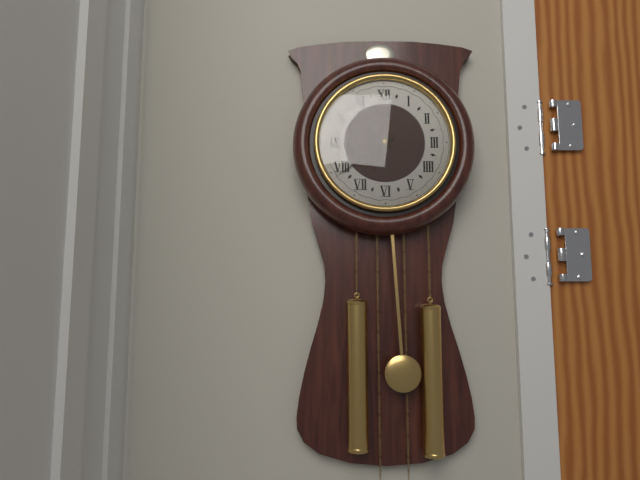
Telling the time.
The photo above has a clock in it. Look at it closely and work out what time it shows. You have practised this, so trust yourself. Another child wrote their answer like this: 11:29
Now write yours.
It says 10:39
